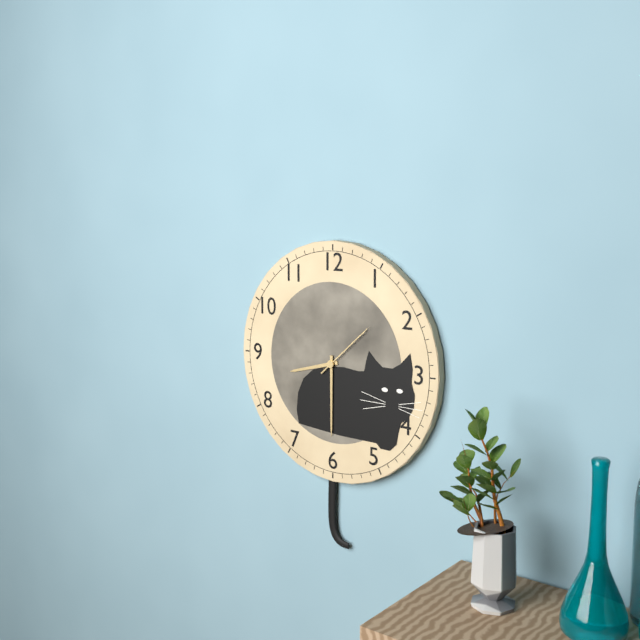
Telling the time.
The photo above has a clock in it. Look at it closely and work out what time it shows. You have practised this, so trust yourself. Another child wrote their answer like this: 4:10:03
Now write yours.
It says 8:30:08
